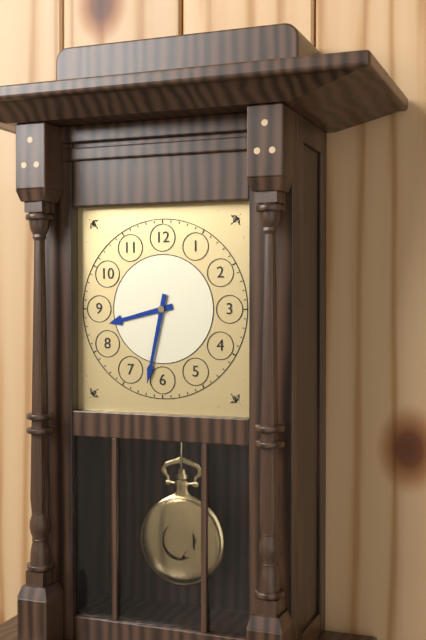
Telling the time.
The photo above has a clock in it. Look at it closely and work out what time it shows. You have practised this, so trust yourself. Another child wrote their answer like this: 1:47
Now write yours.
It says 8:32
